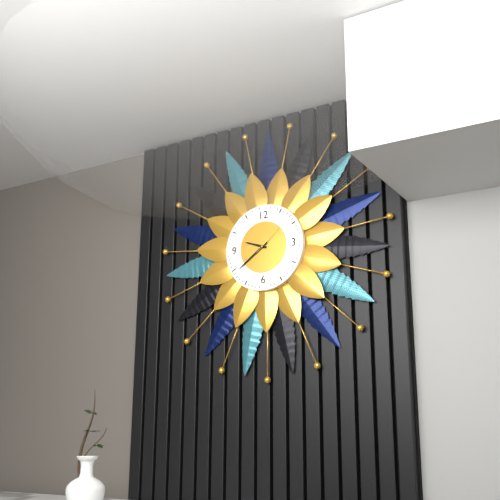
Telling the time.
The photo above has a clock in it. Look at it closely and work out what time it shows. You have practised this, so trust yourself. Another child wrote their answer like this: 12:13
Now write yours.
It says 9:39
